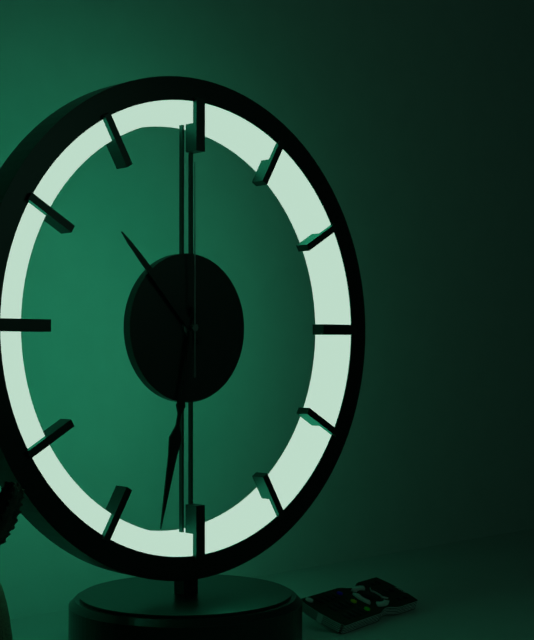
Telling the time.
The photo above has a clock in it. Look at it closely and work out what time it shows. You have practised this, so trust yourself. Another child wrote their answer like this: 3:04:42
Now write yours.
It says 10:32:00
